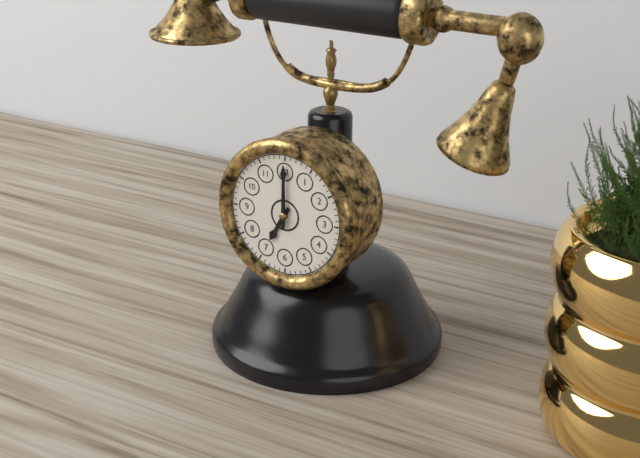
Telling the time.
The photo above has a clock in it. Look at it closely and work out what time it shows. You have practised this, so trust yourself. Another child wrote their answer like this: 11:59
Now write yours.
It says 7:00
